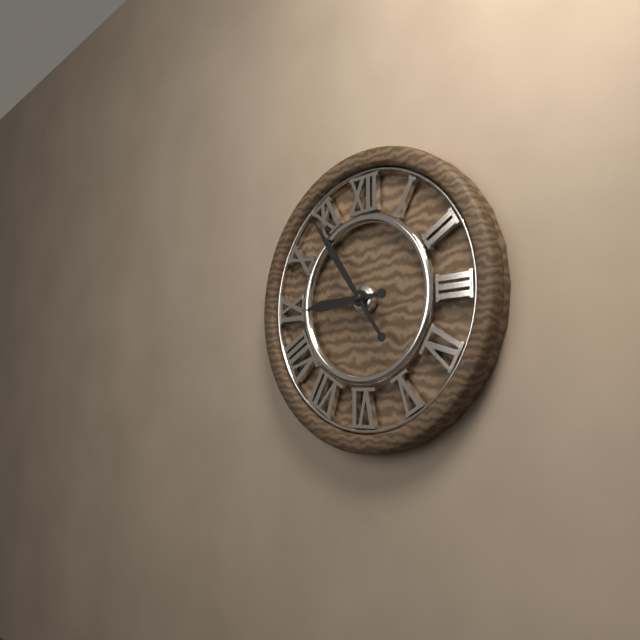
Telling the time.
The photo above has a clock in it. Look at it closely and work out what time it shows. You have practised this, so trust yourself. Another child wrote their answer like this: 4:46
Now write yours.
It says 8:54
